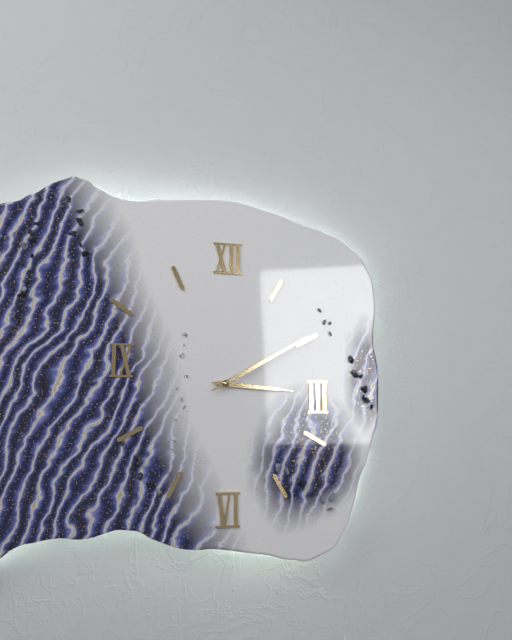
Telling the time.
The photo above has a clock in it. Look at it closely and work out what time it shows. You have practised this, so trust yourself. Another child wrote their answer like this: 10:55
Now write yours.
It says 3:10
